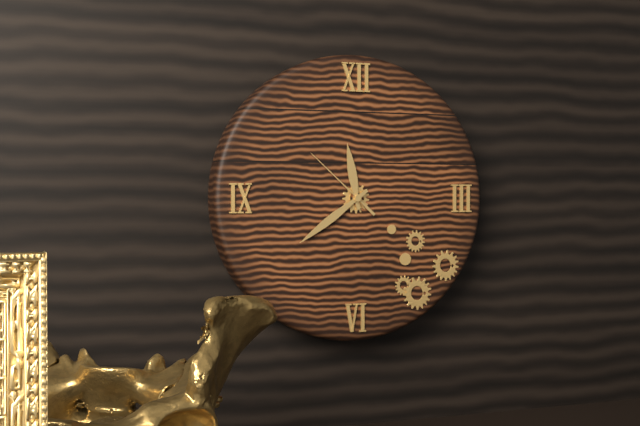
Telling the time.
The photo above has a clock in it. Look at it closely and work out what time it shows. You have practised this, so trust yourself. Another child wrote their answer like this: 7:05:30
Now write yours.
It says 11:39:52
